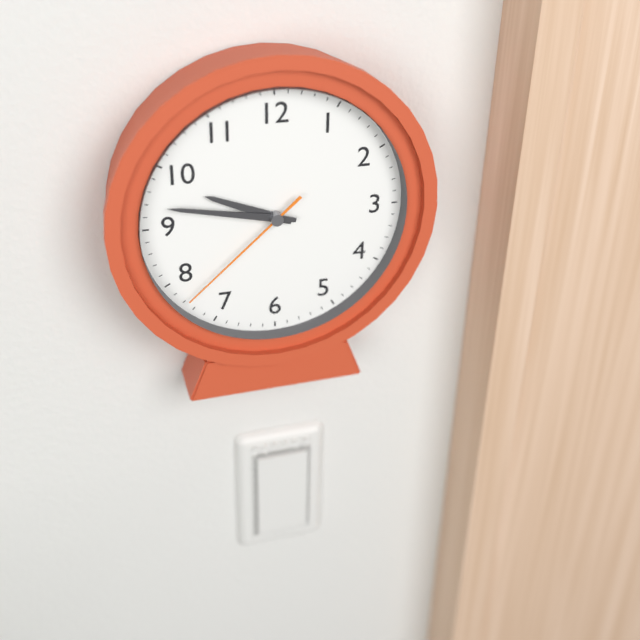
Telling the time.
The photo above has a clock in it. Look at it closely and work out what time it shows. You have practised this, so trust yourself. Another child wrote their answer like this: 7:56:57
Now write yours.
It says 9:47:38
